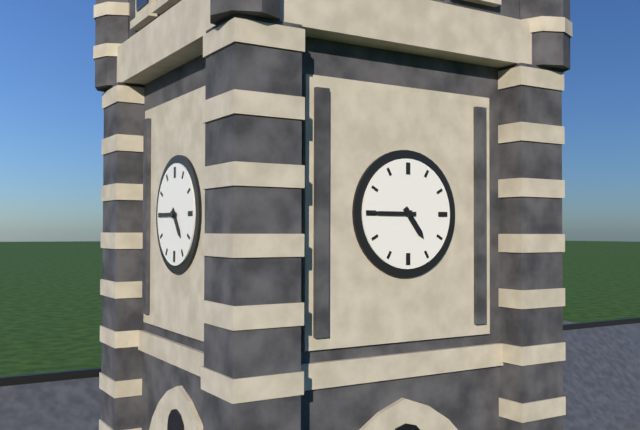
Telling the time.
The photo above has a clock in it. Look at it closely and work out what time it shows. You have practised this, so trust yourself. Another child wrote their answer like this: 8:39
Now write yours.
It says 4:45
